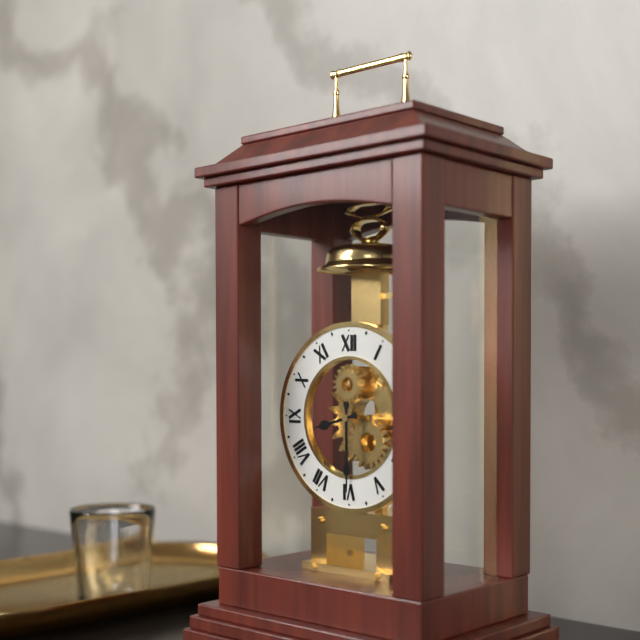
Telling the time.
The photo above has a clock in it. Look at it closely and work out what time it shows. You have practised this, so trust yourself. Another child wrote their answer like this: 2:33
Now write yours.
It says 8:30
